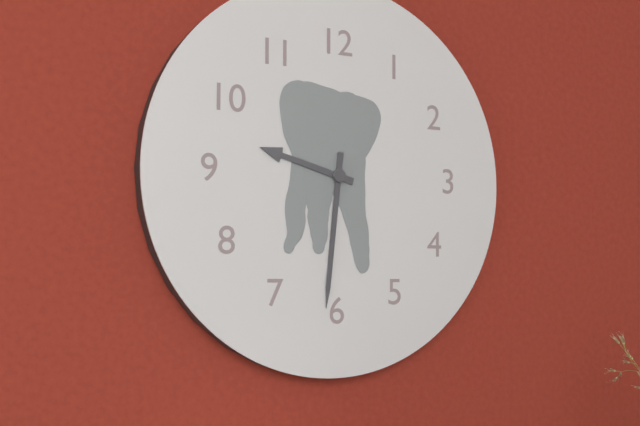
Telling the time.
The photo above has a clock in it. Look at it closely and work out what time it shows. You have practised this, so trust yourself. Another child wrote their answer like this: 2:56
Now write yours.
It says 9:31
